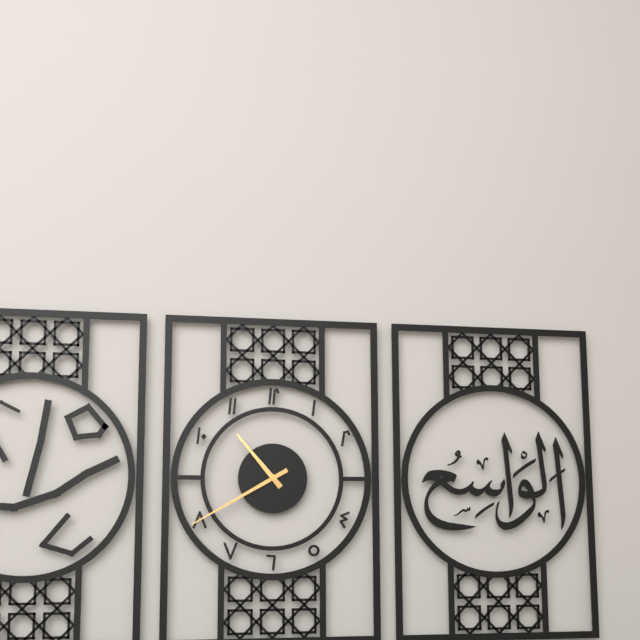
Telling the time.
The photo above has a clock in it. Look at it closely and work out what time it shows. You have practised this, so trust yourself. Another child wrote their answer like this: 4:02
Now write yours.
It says 10:40
